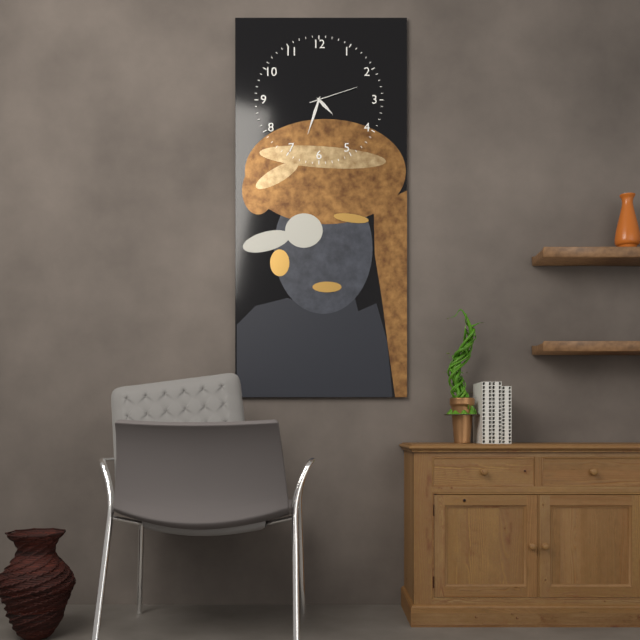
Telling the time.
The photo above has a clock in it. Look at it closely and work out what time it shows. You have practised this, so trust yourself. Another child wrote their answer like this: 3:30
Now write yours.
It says 4:33
